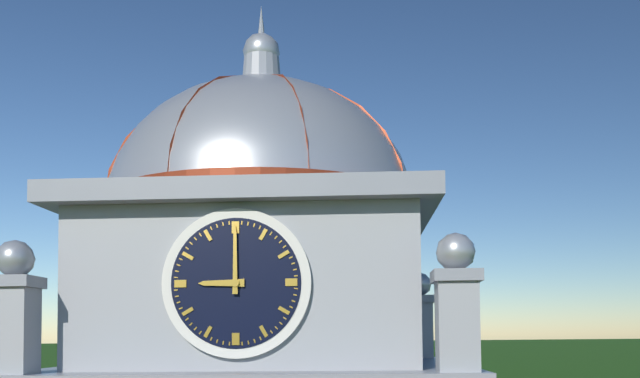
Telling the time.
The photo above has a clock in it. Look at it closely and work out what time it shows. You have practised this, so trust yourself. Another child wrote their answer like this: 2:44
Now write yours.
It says 9:00
